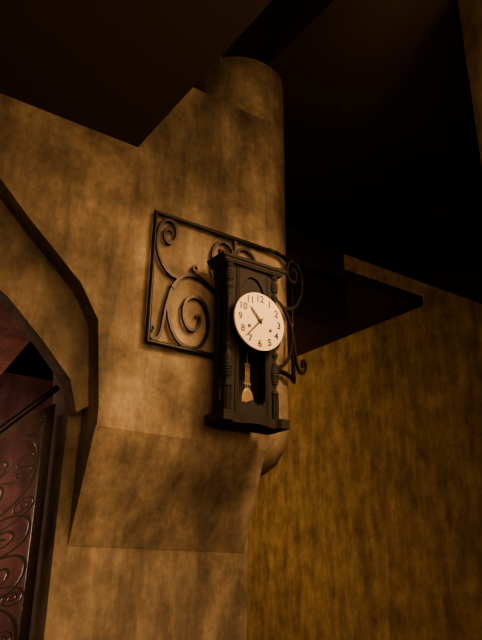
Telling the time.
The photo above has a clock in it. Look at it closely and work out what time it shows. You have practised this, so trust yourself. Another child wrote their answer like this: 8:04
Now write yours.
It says 10:37
